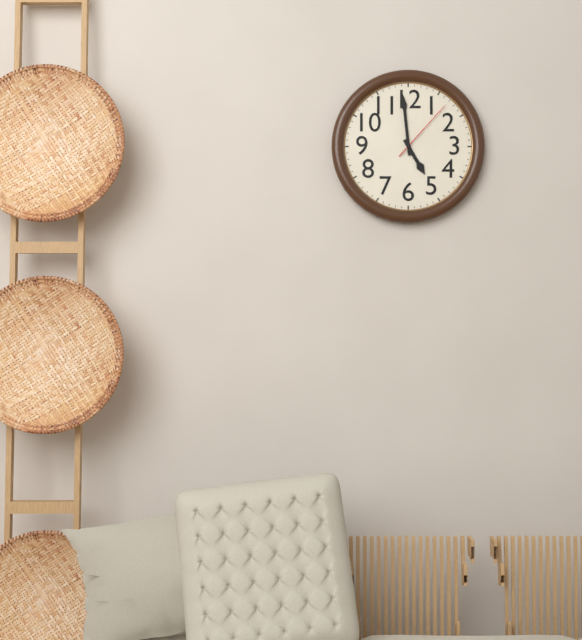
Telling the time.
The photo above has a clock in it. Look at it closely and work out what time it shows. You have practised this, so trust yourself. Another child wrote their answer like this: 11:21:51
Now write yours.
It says 4:59:07
